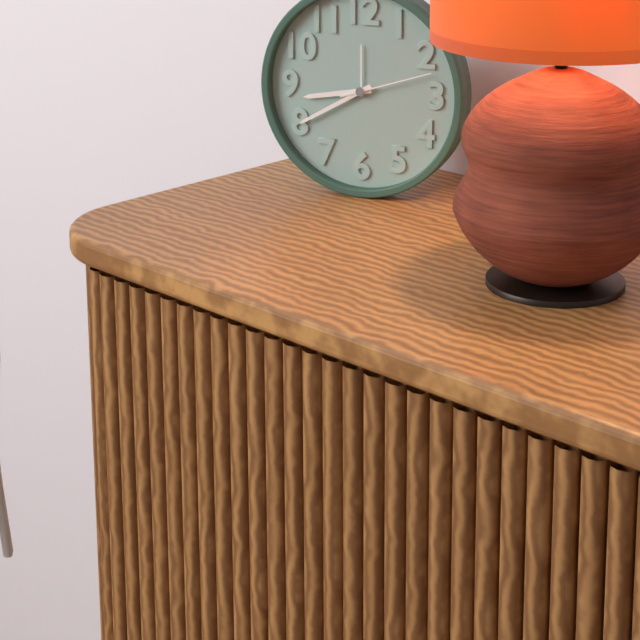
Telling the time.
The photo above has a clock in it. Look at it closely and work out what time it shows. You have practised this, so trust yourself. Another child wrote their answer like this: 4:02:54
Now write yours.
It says 8:40:12
